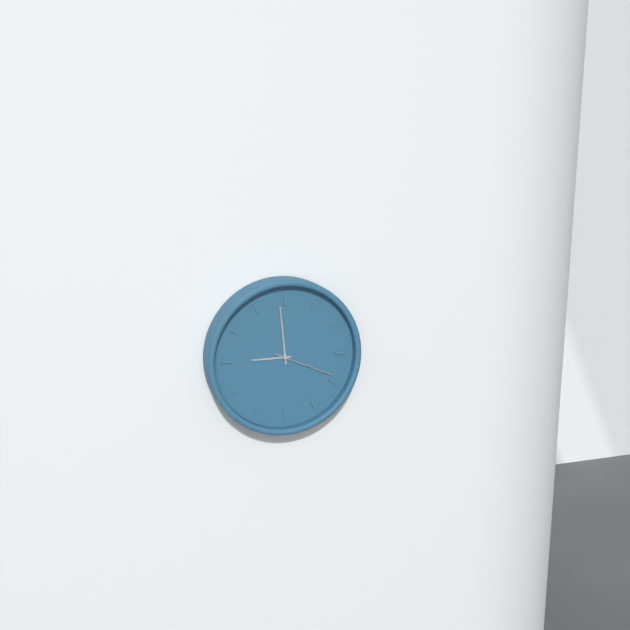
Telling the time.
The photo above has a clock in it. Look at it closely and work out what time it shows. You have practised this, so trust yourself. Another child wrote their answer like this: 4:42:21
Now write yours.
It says 8:59:19
